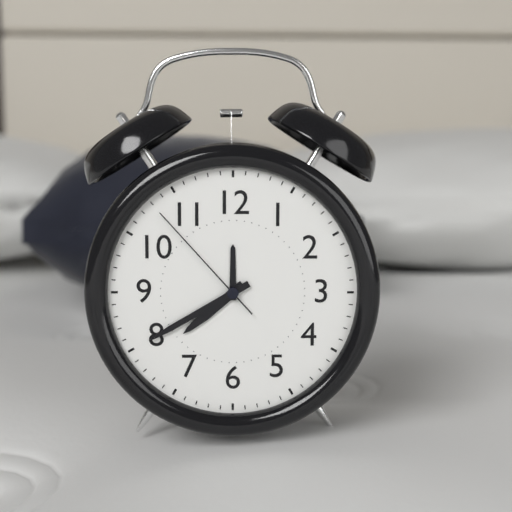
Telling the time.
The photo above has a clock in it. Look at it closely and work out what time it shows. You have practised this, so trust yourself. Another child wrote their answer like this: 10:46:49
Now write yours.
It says 7:40:53
